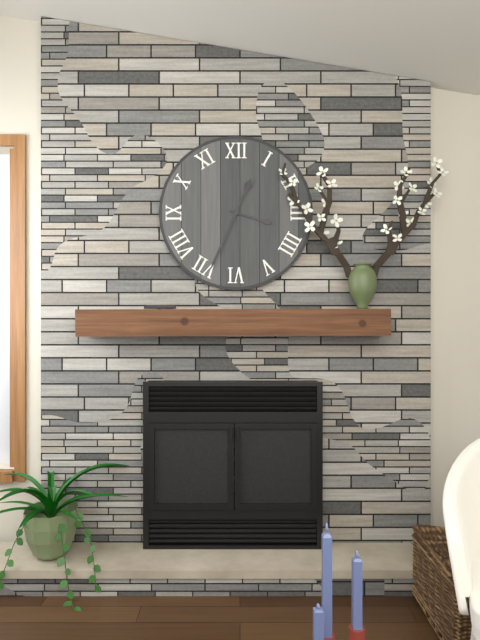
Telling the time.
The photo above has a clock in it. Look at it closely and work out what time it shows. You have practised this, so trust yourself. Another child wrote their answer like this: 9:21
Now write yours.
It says 3:34
